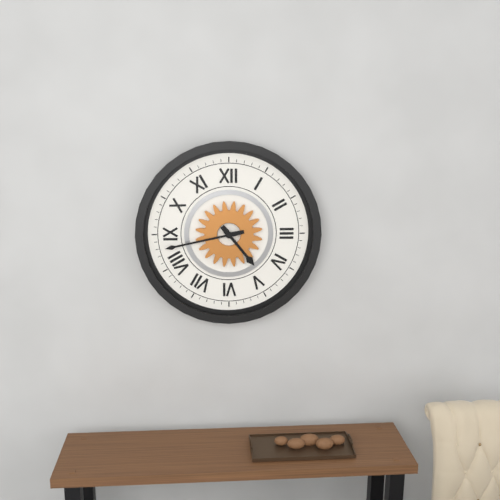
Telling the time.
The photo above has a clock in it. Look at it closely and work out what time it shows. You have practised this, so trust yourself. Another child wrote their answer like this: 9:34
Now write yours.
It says 4:43
